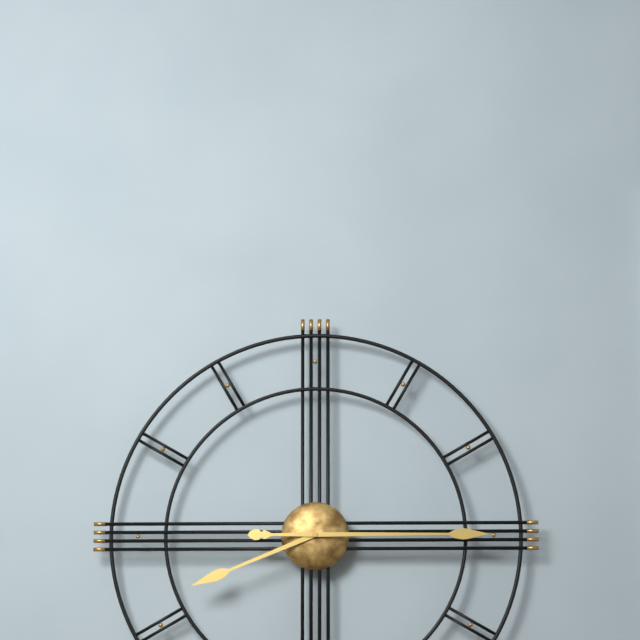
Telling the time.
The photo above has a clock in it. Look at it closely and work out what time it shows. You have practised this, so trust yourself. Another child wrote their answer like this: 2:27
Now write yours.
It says 8:15
